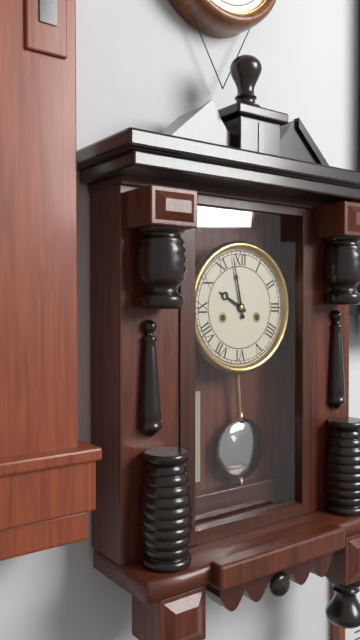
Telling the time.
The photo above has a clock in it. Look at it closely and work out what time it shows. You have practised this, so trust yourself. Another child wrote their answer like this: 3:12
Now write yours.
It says 9:58
